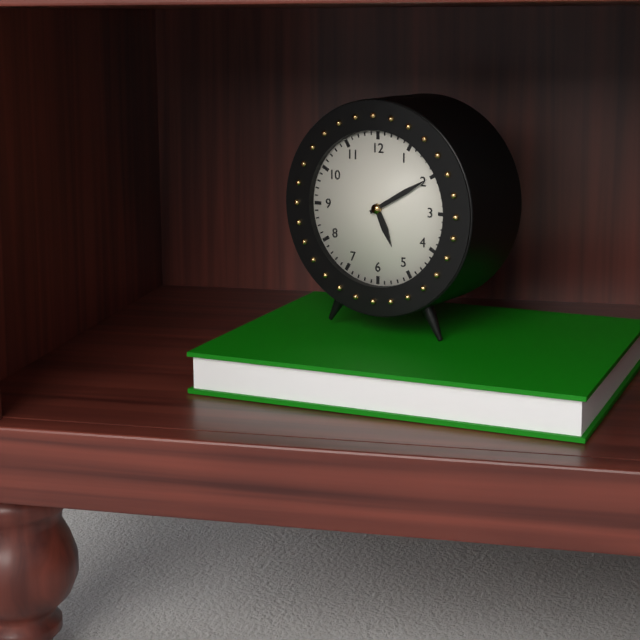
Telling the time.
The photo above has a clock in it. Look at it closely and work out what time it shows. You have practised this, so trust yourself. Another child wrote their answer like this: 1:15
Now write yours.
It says 5:10
